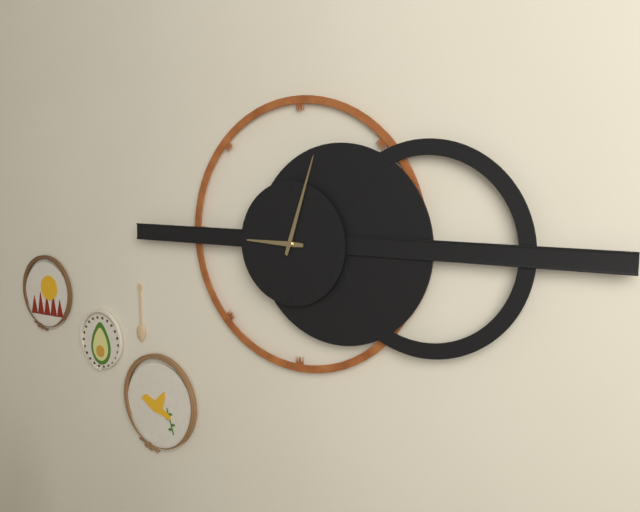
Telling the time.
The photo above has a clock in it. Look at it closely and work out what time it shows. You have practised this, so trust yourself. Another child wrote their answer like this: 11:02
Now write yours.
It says 9:03
